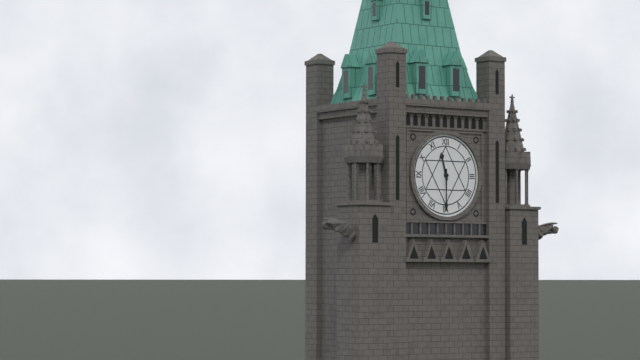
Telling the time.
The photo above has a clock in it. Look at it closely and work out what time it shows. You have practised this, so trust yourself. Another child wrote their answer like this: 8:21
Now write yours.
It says 11:30
